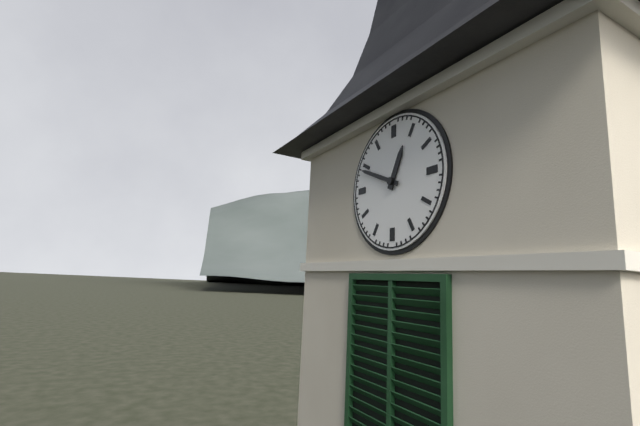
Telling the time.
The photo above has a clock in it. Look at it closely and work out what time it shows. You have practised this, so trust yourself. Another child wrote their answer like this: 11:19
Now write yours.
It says 12:49
